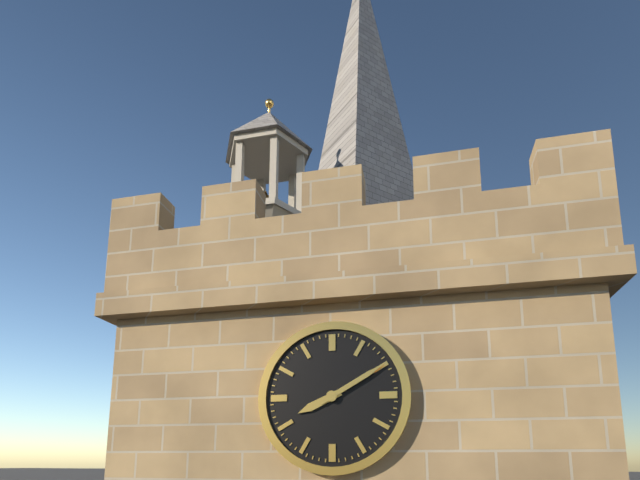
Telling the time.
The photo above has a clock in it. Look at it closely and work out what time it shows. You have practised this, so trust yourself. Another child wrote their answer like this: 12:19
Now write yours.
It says 8:10
